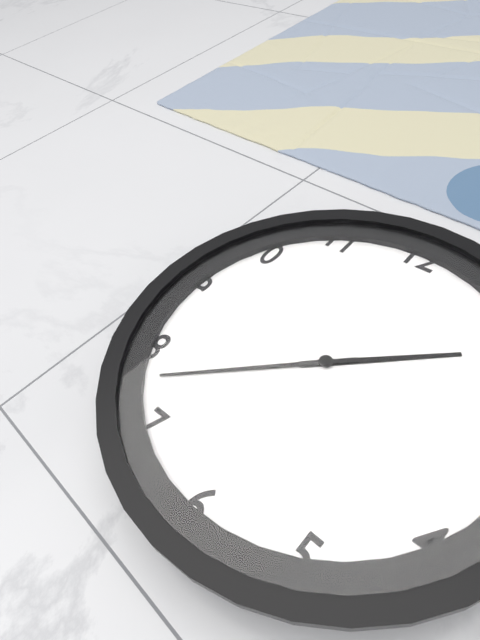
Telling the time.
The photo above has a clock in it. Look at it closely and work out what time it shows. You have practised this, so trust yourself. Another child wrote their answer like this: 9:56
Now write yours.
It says 1:38
